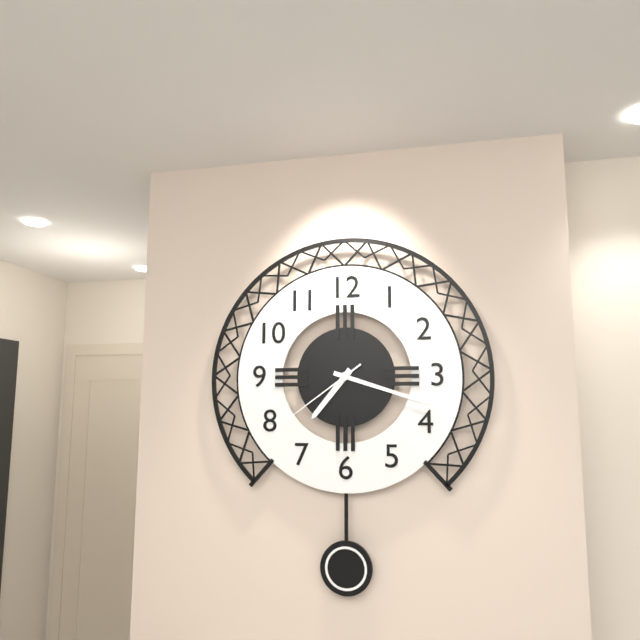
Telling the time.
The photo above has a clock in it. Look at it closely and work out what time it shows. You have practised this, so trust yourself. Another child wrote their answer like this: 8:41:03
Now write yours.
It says 7:18:39
